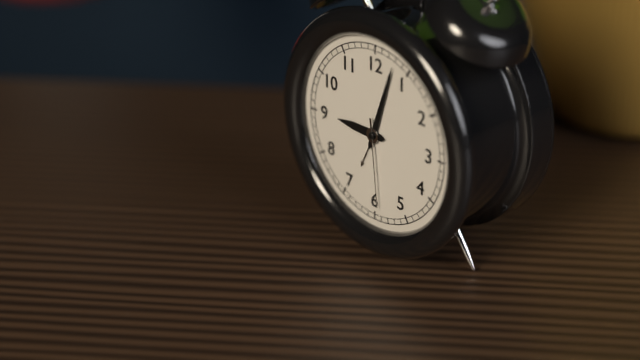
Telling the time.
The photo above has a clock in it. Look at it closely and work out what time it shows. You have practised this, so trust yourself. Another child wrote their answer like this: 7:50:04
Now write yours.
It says 9:03:29
